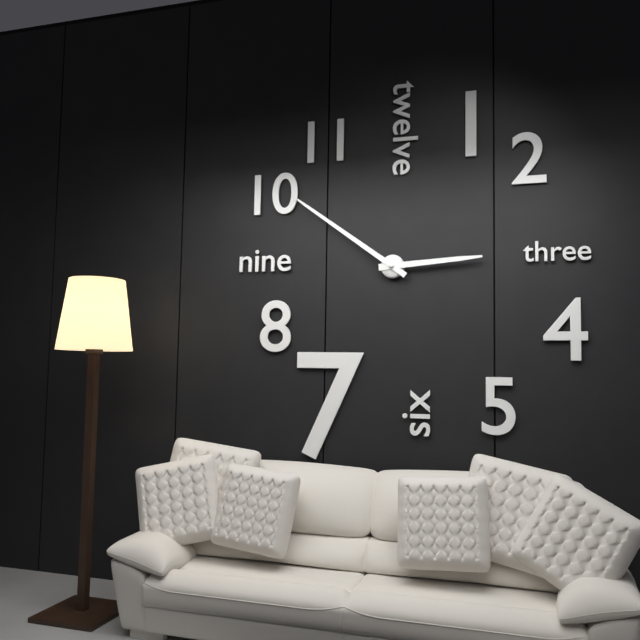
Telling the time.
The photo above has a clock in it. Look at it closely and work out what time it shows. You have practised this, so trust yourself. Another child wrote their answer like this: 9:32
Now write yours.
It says 2:51
